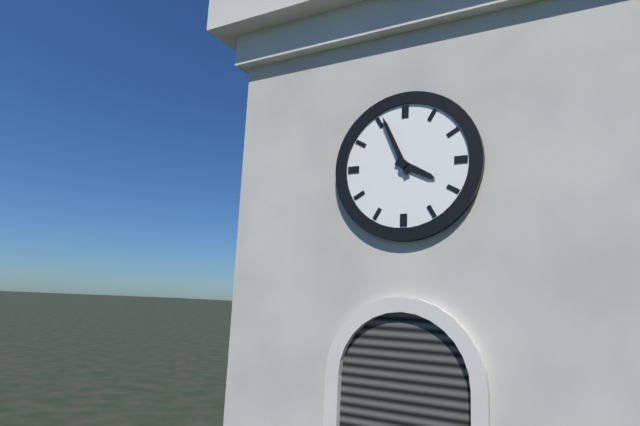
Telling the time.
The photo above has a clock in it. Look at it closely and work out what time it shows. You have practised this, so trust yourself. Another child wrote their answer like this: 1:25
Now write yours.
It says 3:56
